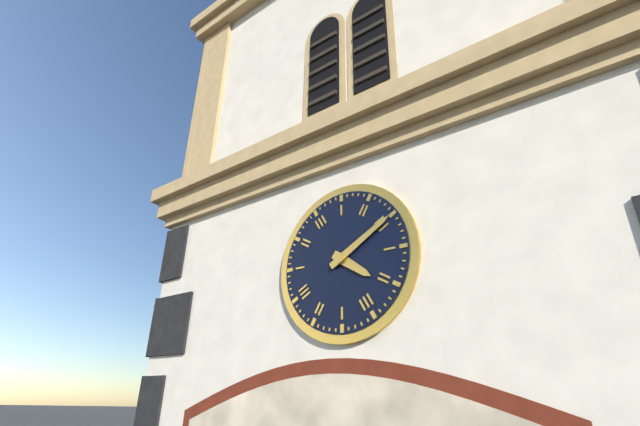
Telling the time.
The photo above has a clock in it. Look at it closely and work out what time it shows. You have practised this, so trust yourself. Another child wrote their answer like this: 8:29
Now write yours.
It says 4:10
